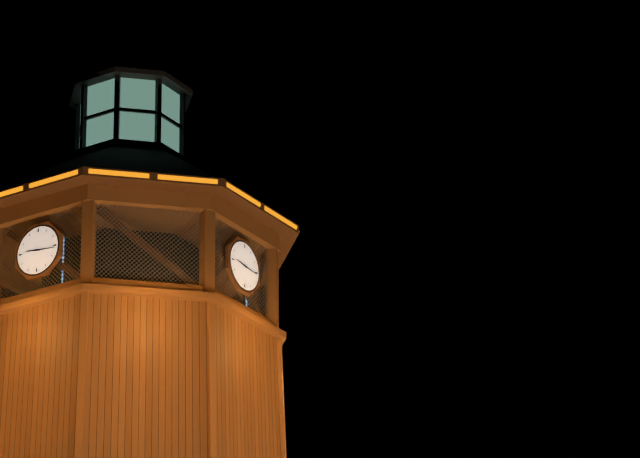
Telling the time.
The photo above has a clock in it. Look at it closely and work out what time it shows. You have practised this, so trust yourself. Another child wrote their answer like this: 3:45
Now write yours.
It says 9:16
